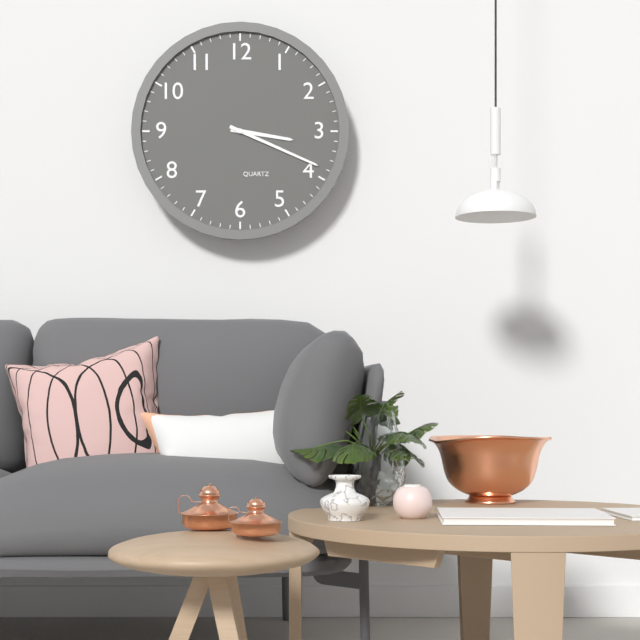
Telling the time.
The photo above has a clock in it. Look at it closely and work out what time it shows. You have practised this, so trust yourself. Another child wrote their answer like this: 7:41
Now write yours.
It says 3:19
